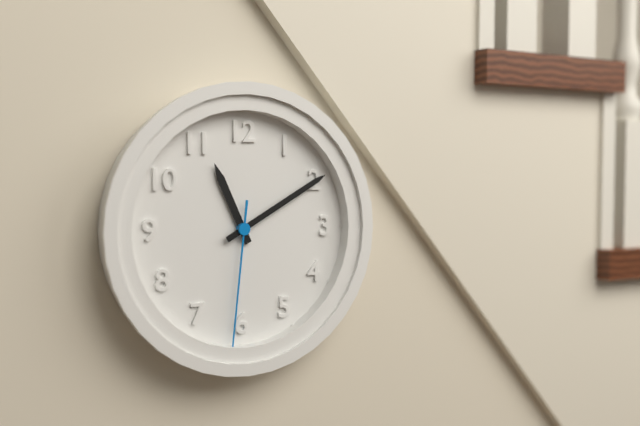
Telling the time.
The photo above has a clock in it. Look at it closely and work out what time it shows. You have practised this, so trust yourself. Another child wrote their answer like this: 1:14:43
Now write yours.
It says 11:10:31
